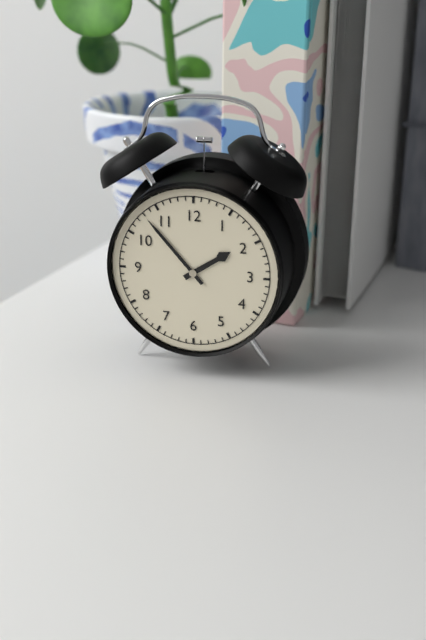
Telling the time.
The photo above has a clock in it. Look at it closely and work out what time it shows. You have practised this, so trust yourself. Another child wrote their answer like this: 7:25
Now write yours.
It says 1:53
